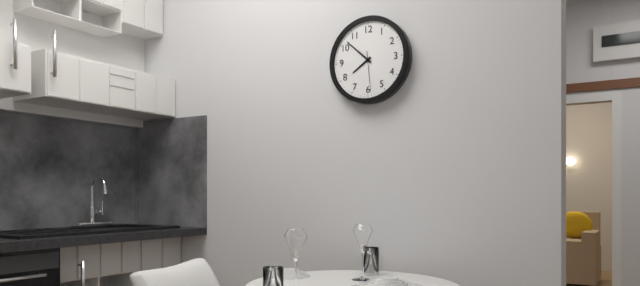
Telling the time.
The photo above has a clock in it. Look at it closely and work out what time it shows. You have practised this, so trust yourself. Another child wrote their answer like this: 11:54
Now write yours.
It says 7:52
